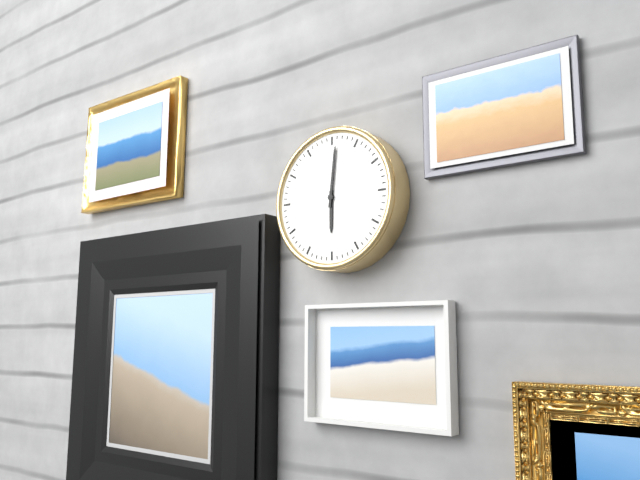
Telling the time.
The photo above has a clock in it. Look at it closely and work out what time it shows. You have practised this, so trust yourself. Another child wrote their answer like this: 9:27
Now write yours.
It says 6:01
